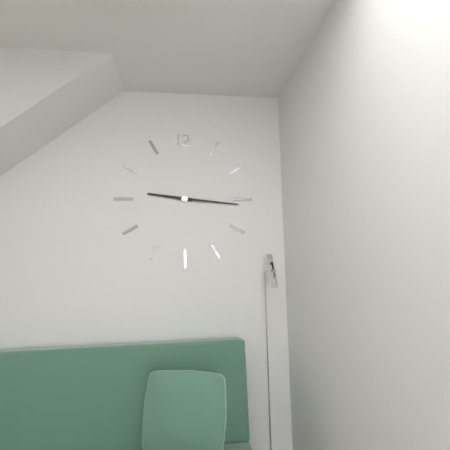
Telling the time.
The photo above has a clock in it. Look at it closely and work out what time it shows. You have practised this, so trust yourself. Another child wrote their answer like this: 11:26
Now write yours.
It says 9:16
